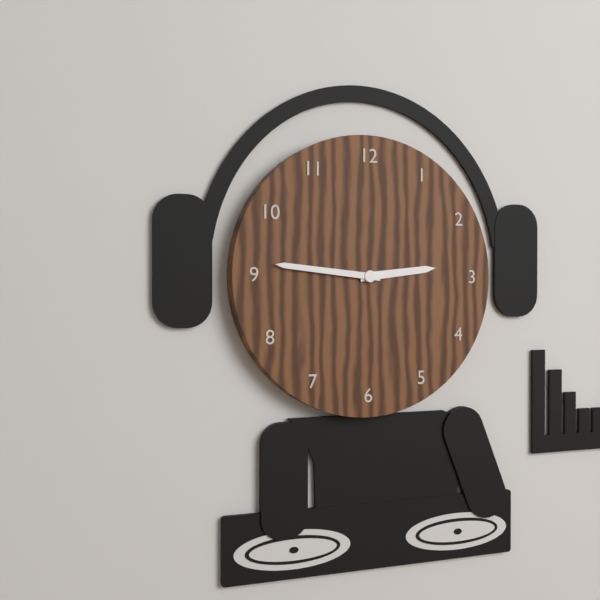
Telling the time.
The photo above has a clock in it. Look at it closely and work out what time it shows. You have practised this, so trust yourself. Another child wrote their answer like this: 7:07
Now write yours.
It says 2:46
